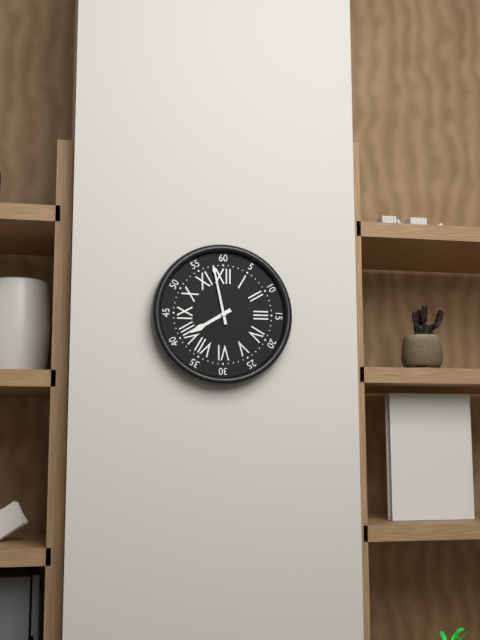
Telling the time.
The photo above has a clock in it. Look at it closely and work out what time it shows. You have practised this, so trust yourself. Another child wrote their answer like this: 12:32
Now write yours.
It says 7:58
